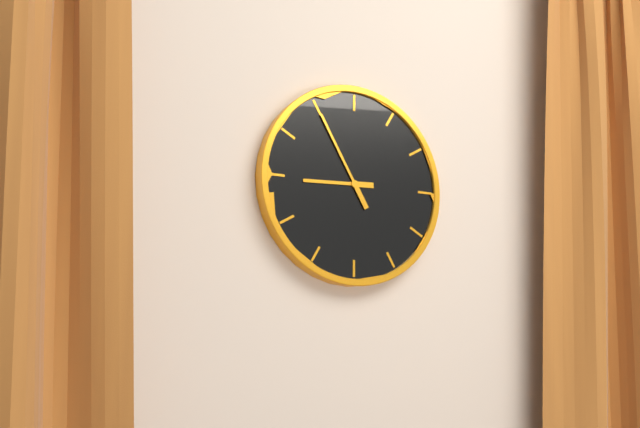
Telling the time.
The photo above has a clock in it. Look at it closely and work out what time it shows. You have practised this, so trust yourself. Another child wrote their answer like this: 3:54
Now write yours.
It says 8:55
